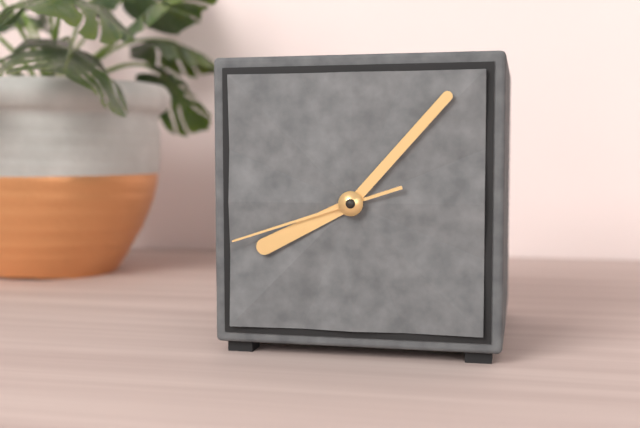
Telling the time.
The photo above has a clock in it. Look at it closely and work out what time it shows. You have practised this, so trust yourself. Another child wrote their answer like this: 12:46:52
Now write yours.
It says 8:07:42
